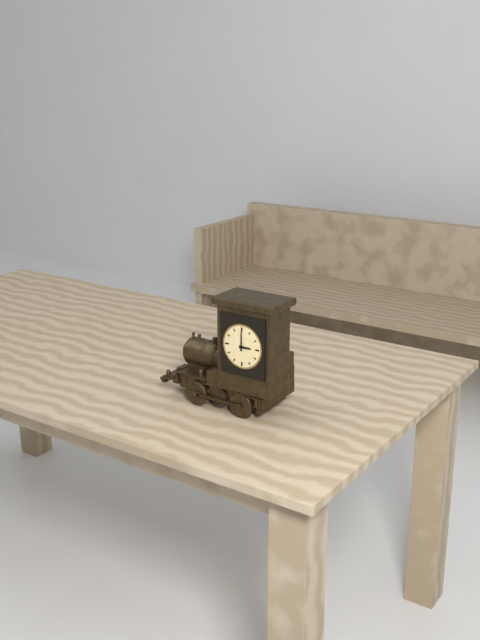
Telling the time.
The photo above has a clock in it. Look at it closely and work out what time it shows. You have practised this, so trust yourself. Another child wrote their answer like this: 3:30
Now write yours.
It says 3:00
